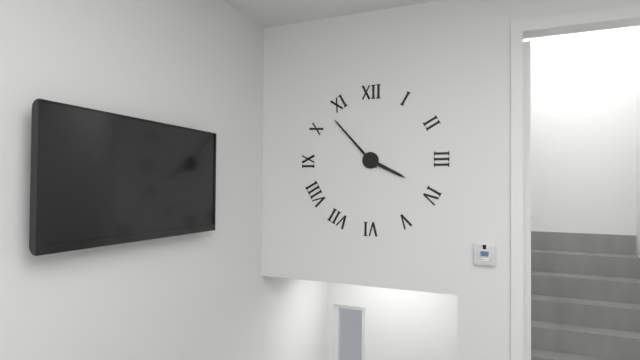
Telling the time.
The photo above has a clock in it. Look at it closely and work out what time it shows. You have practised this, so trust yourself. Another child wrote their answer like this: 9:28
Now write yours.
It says 3:53
